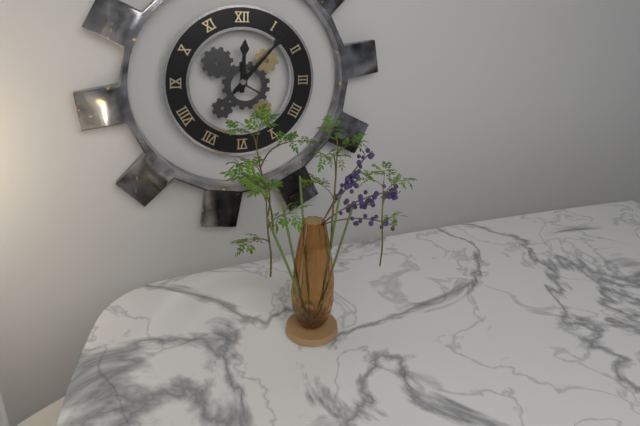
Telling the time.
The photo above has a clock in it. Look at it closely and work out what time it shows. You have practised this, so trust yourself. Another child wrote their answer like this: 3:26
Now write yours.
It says 12:07
